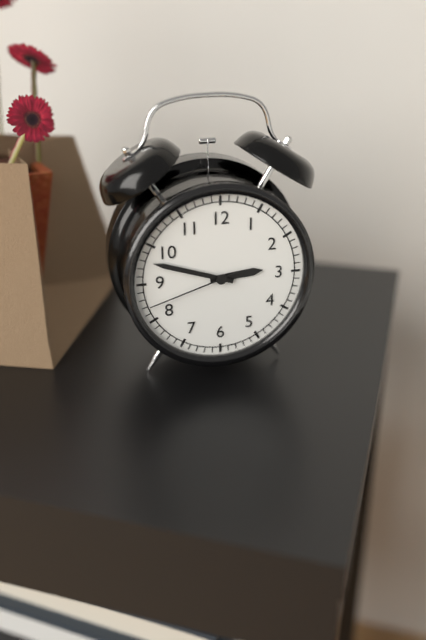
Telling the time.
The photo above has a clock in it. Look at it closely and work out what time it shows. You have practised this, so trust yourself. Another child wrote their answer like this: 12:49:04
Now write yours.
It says 2:48:42
